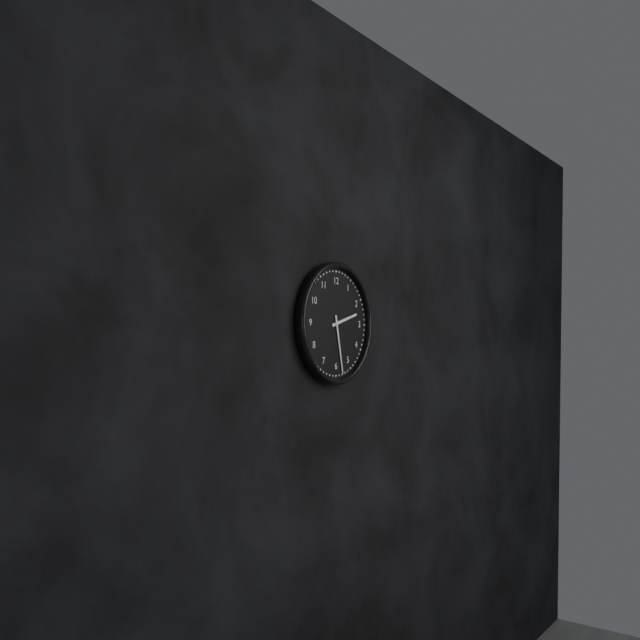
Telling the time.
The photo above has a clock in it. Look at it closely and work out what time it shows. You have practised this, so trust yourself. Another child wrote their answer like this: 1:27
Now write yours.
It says 2:28
